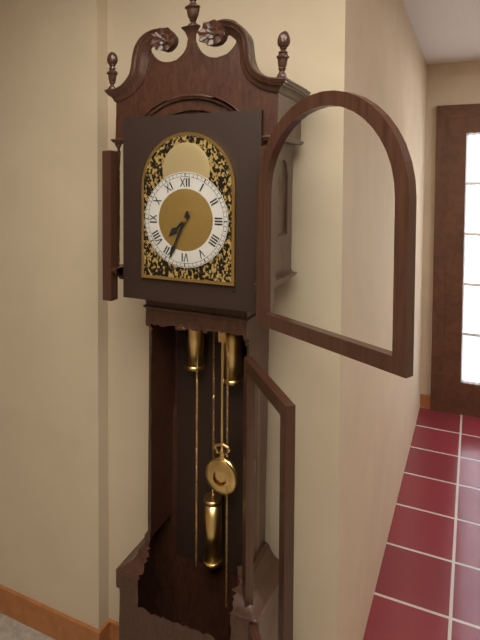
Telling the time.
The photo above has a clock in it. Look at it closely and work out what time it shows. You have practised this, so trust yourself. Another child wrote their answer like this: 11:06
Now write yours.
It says 7:34
